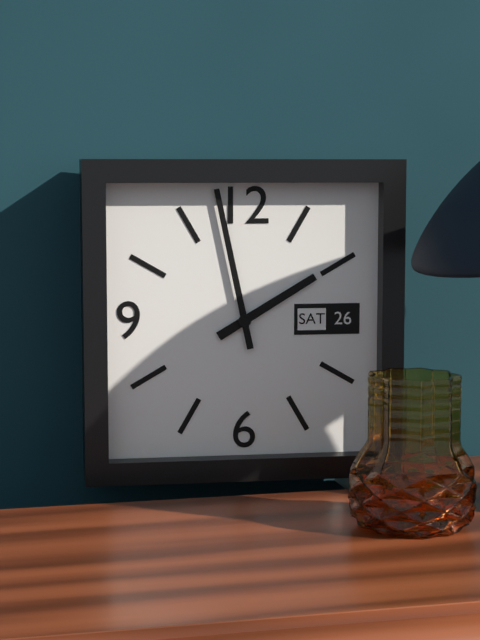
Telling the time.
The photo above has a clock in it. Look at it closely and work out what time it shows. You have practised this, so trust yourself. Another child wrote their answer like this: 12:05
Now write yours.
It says 1:58
